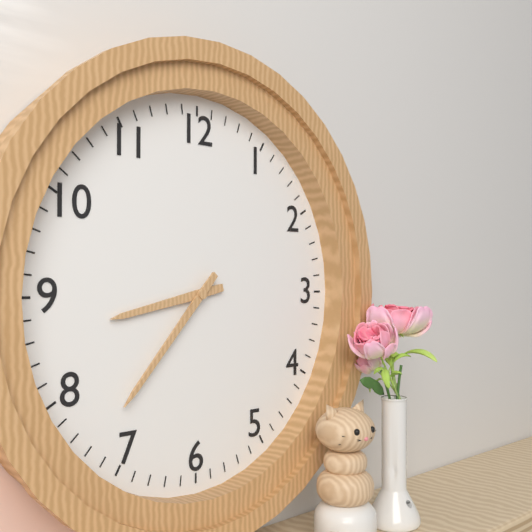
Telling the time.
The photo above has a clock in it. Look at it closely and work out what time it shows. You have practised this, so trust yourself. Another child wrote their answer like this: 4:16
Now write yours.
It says 8:37
